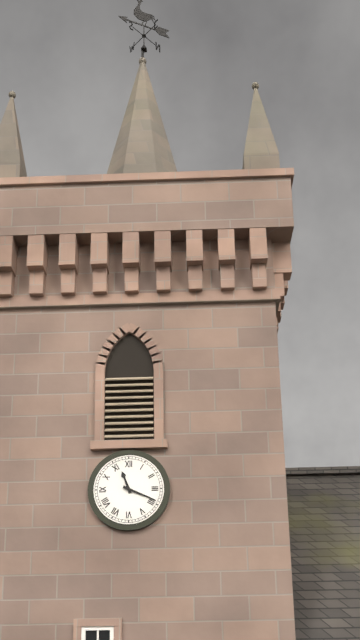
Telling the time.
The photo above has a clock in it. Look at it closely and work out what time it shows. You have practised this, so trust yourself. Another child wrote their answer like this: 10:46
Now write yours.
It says 11:19
